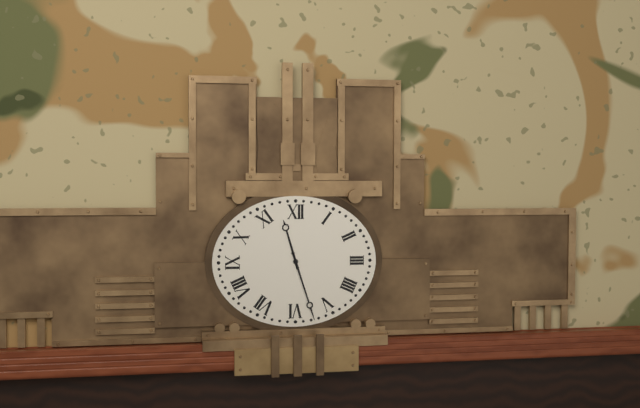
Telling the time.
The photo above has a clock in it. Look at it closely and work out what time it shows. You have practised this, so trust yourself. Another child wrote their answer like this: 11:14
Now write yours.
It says 11:27
